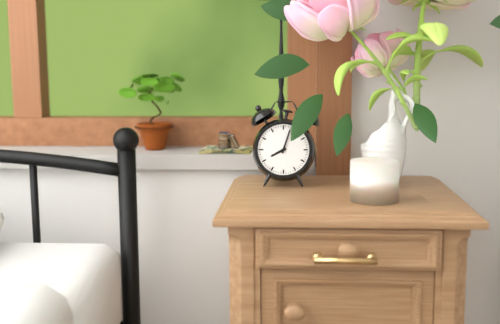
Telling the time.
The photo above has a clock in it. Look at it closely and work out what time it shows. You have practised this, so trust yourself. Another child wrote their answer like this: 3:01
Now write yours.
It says 8:03
